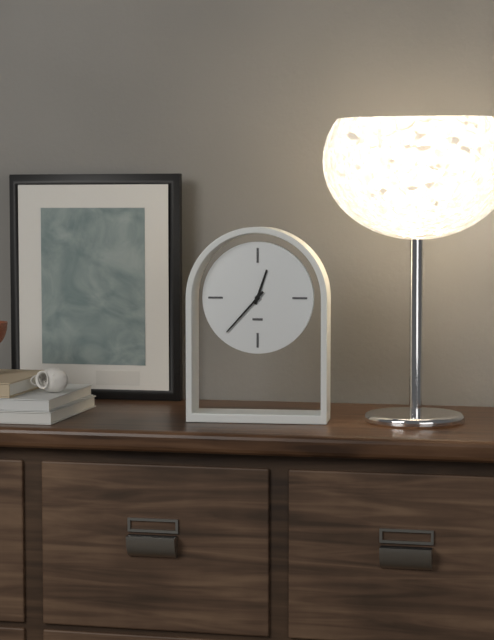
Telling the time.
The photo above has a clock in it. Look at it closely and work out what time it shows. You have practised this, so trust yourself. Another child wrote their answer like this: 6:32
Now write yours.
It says 12:37
